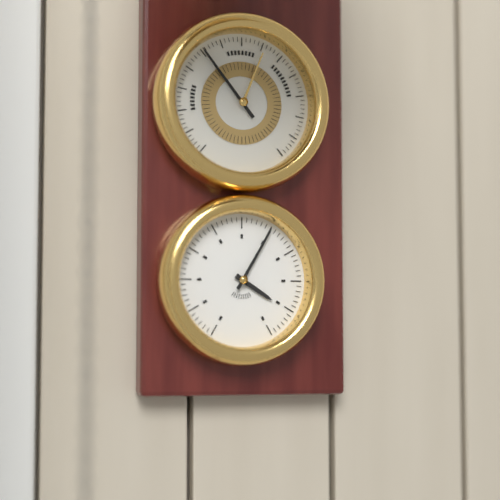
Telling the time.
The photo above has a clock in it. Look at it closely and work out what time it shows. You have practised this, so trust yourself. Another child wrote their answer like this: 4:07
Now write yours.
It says 4:05
